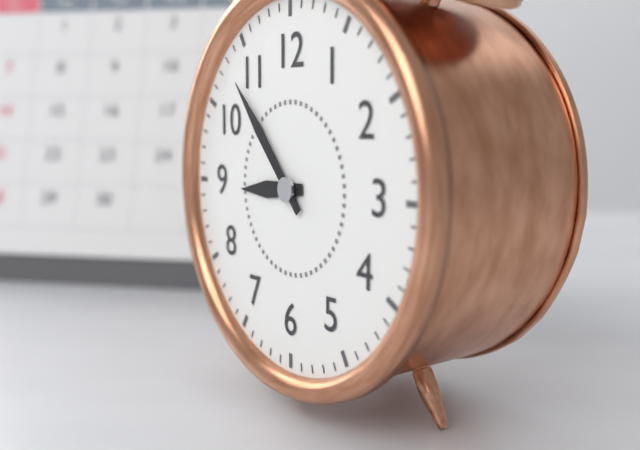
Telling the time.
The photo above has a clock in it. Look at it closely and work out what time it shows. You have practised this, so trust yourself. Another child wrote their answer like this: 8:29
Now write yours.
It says 8:53
